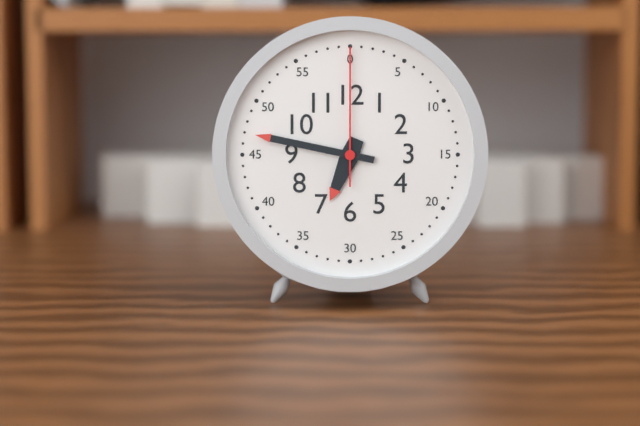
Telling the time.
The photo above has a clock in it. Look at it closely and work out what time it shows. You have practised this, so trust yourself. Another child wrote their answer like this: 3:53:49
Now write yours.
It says 6:47:00
